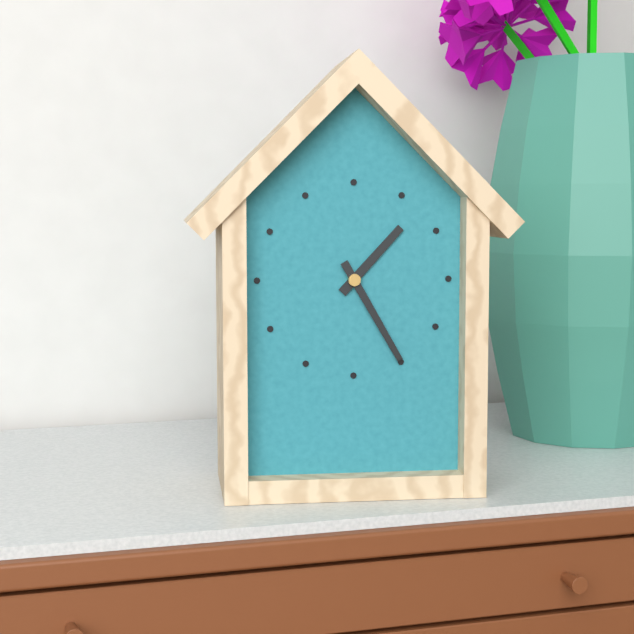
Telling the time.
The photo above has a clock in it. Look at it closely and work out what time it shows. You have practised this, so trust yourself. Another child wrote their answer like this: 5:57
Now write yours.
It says 1:25
